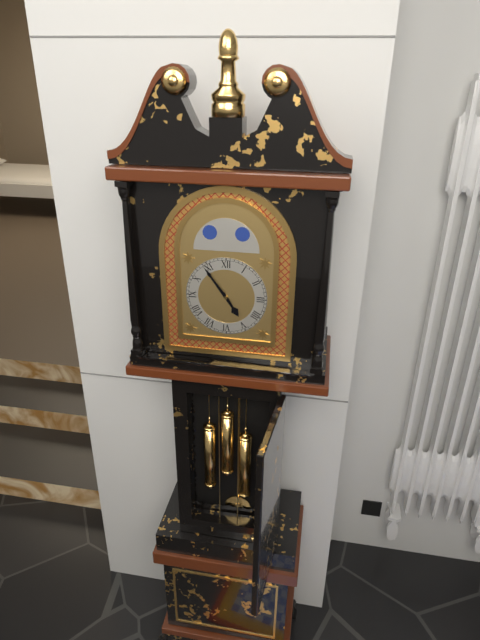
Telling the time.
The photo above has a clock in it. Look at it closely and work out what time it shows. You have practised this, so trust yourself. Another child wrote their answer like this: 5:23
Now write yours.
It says 4:54
